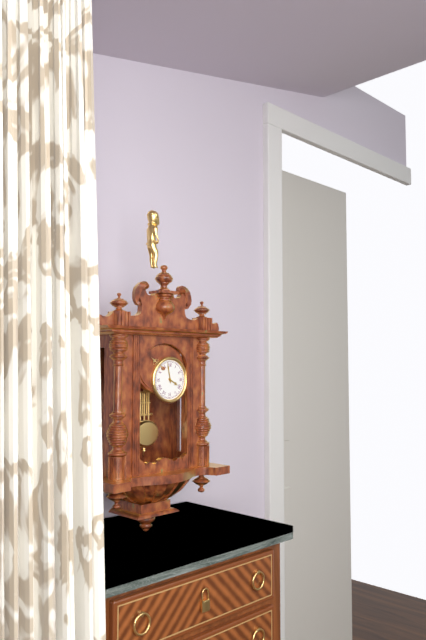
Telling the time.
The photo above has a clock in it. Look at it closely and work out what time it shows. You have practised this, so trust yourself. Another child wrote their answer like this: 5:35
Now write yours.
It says 3:58
